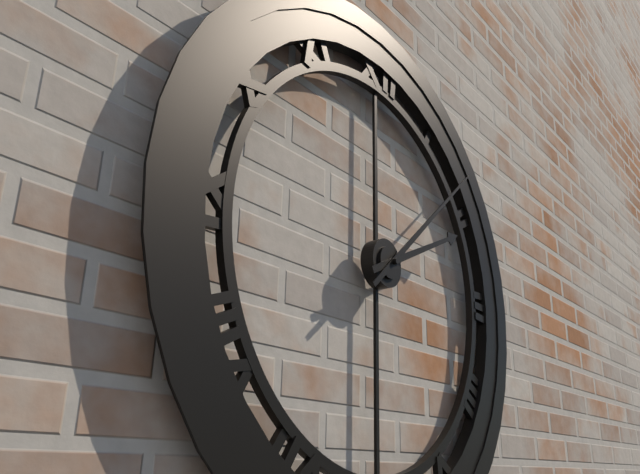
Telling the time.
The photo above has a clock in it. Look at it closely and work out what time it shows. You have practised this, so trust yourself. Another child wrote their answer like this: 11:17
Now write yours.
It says 2:08
